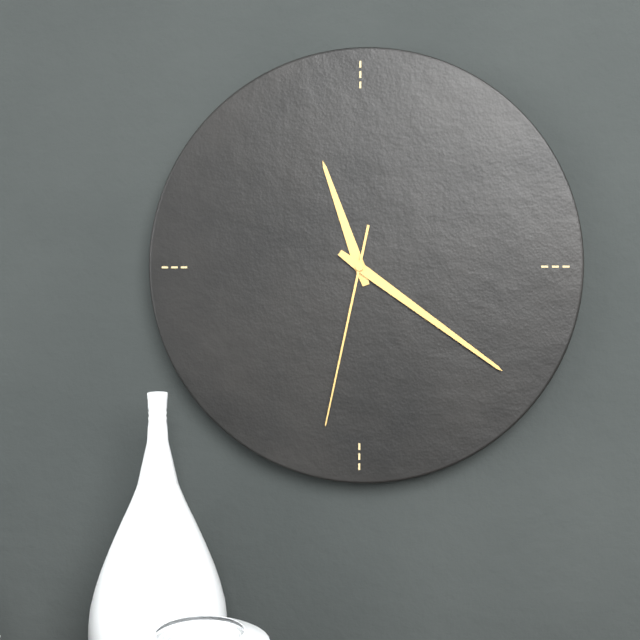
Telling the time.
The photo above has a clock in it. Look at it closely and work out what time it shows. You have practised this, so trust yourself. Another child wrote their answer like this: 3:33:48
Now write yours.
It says 11:21:32
